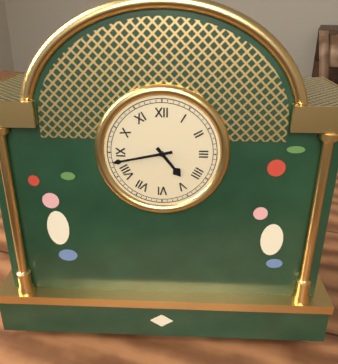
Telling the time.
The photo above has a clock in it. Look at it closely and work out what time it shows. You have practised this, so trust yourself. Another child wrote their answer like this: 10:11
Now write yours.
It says 4:43
